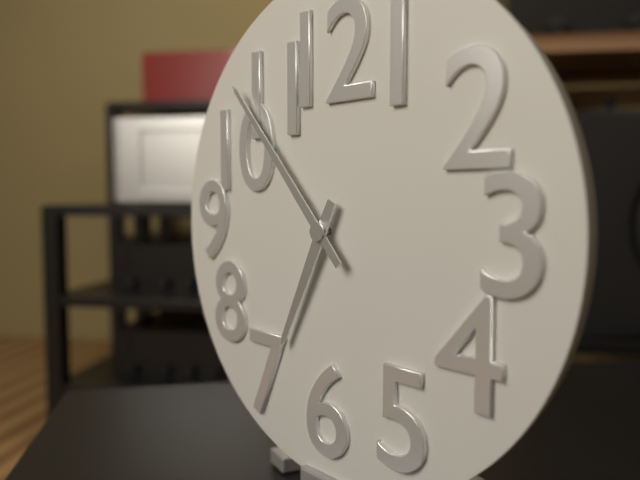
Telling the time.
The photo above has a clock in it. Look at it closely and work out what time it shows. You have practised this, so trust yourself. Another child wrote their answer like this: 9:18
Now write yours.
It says 6:53
